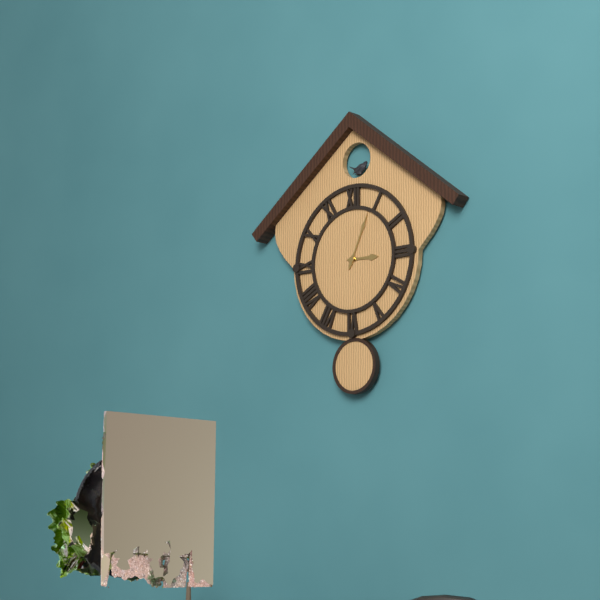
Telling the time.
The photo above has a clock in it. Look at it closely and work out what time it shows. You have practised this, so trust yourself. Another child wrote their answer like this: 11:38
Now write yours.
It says 3:04
